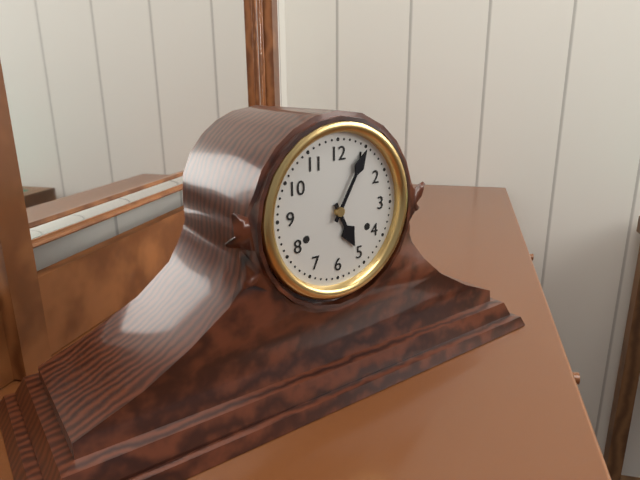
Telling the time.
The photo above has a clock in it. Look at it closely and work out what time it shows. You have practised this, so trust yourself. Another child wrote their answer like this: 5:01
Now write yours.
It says 5:05
